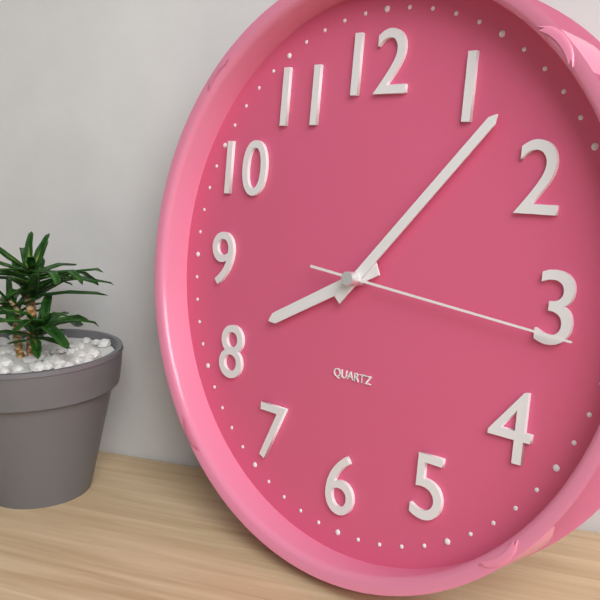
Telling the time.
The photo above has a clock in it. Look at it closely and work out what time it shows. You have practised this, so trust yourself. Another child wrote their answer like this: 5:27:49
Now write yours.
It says 8:07:16
